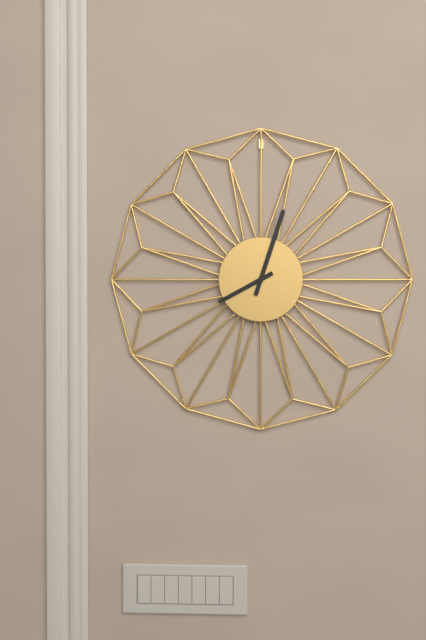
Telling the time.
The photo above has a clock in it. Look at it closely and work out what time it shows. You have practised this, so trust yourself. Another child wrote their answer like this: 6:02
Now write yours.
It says 8:03
